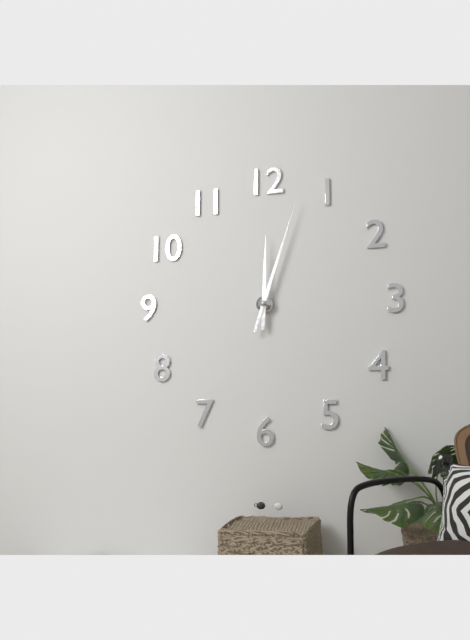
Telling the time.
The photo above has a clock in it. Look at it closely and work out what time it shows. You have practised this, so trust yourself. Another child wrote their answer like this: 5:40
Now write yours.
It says 12:03
